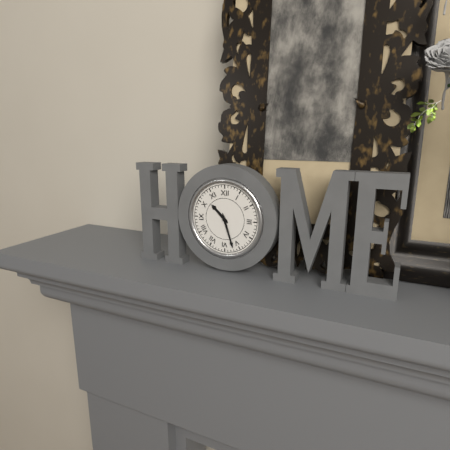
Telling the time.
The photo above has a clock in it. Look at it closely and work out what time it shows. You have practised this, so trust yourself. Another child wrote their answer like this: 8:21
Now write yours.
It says 10:27
